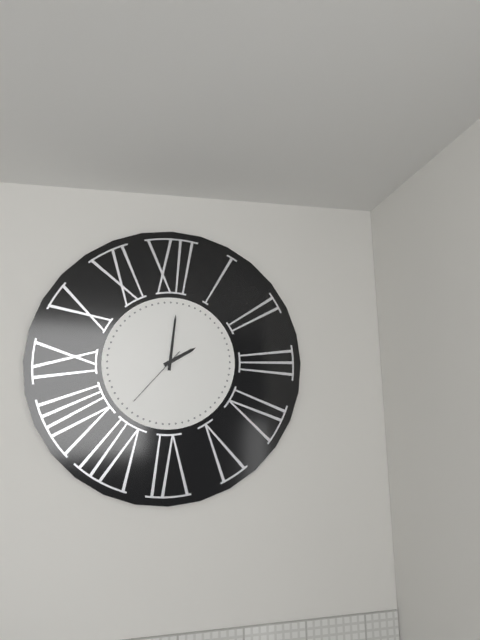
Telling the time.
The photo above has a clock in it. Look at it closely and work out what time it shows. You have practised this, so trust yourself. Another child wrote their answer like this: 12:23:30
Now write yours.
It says 2:01:37
